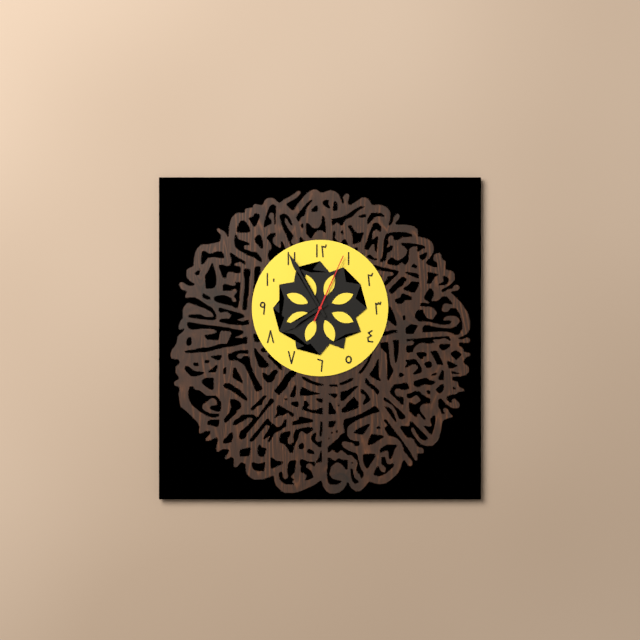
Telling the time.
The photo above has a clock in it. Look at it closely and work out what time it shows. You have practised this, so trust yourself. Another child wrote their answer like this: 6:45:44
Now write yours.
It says 7:55:04
